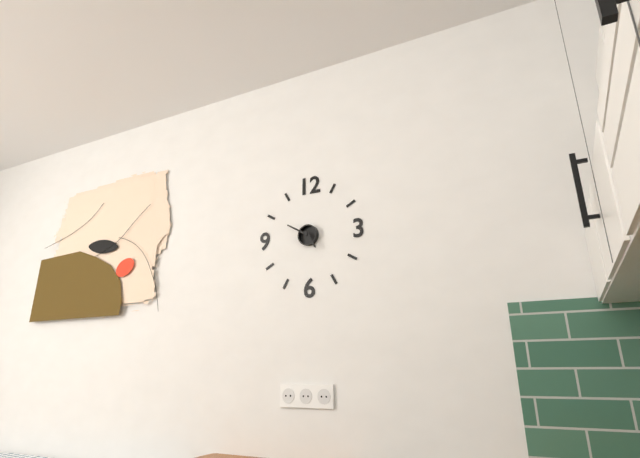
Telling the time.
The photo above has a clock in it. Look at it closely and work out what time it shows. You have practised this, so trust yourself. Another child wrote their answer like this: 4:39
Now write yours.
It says 4:50
